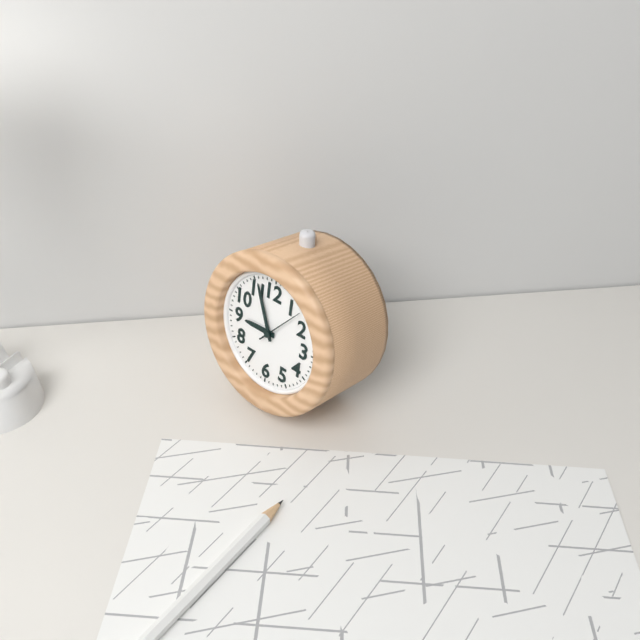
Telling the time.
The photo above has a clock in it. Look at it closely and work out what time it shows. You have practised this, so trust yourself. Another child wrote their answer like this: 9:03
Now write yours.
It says 8:56
